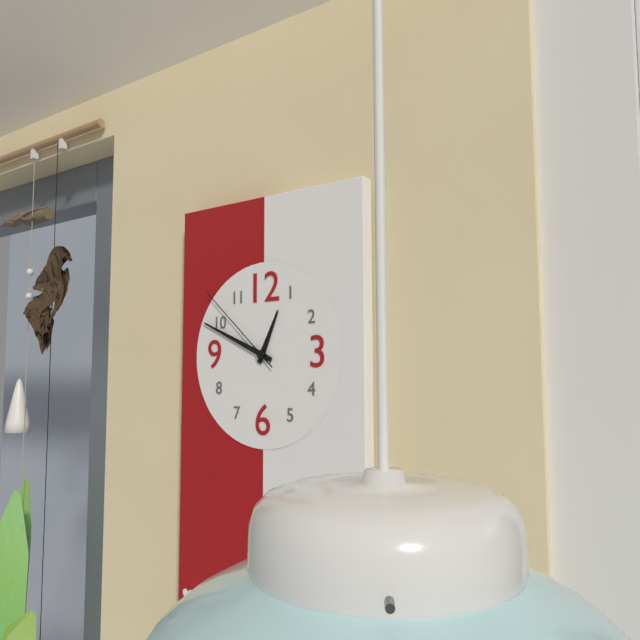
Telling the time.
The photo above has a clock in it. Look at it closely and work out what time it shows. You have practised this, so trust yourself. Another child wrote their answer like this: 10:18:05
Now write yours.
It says 12:49:52
